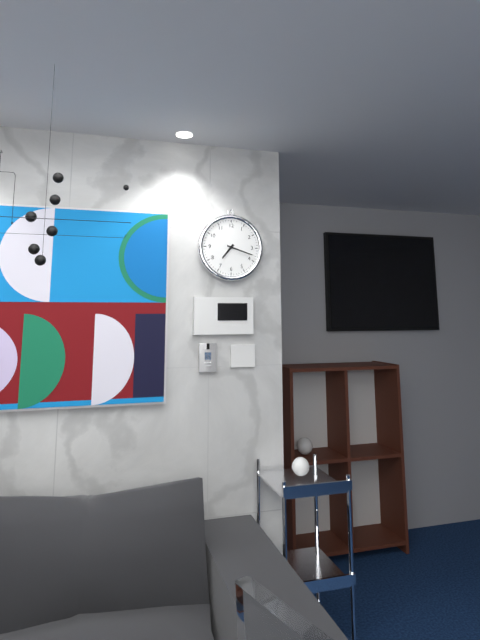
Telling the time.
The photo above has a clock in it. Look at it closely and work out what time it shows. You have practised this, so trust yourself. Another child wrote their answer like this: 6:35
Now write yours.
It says 7:18
